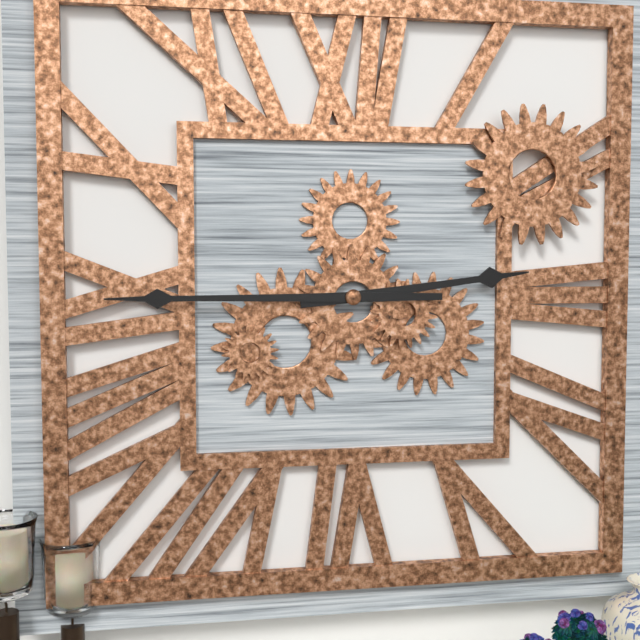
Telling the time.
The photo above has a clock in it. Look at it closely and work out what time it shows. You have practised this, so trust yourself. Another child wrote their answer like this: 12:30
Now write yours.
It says 2:45
